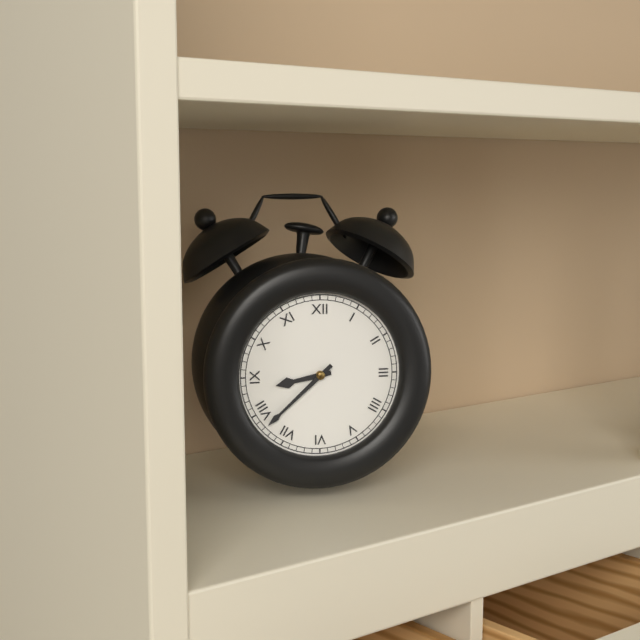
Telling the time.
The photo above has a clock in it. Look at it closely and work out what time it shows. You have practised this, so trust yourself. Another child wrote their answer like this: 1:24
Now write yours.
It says 8:38
